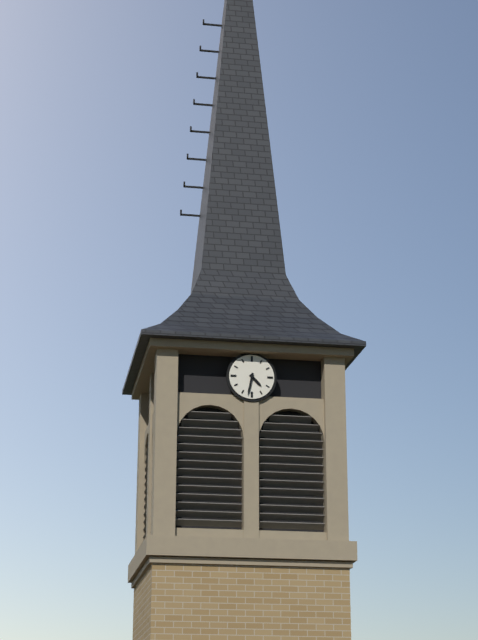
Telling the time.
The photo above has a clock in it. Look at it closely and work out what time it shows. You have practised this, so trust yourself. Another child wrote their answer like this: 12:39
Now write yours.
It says 4:32
